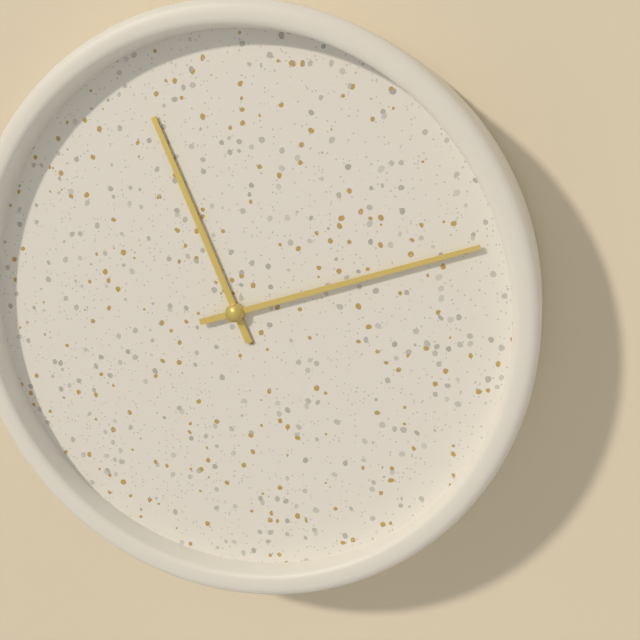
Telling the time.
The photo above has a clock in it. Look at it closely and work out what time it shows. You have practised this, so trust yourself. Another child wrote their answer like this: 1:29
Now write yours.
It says 11:12
